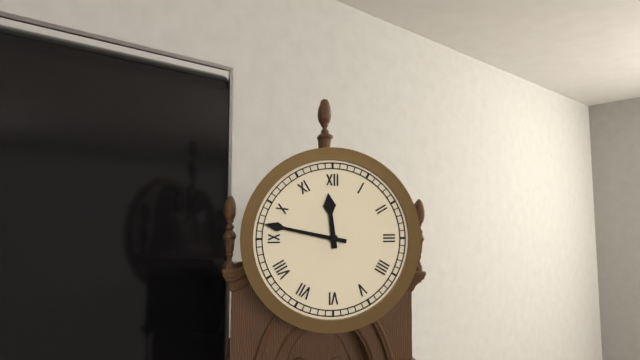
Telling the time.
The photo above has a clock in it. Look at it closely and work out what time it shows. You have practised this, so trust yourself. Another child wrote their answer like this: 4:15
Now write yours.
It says 11:47
